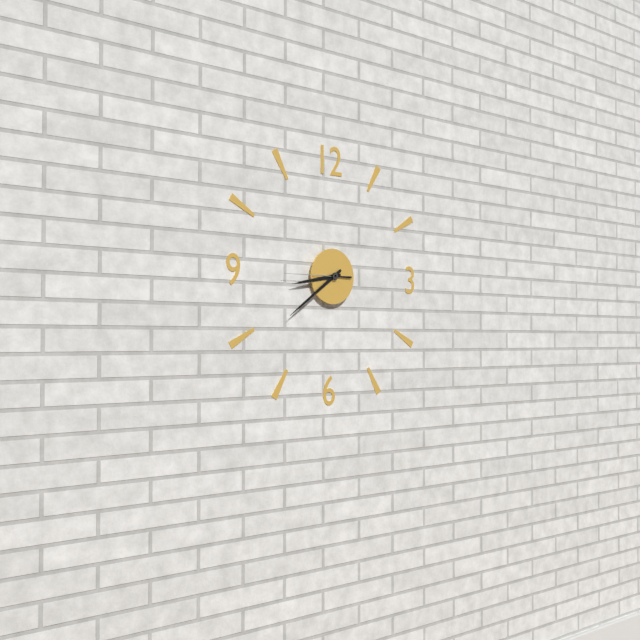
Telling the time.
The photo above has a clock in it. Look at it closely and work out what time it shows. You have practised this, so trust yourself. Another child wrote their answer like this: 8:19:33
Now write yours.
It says 8:39:45
